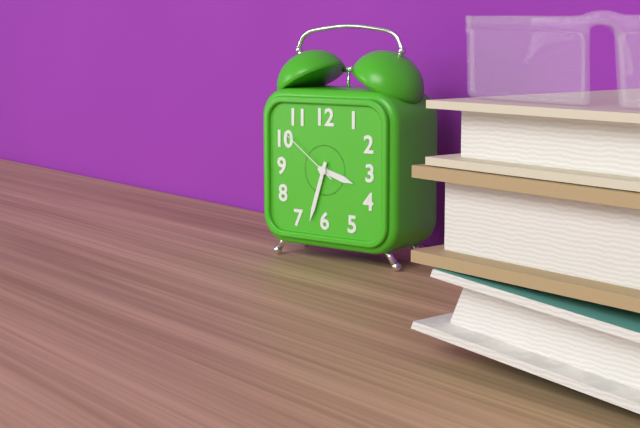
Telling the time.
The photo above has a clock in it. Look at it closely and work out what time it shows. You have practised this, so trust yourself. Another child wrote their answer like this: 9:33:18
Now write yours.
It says 3:33:51
